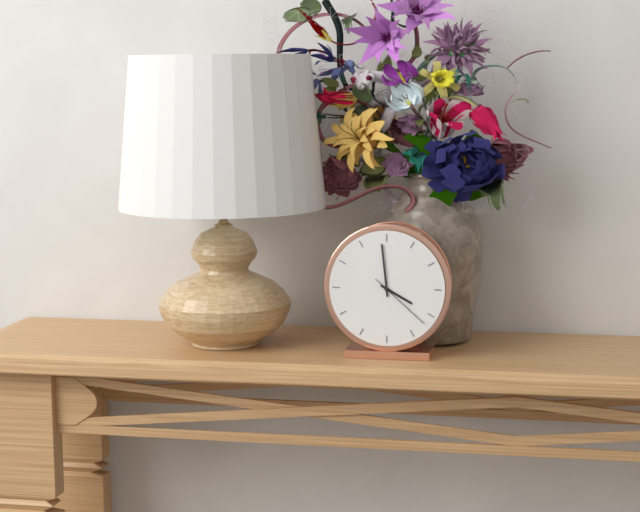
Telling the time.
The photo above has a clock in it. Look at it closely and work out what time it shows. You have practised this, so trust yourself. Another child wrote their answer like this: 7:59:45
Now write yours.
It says 3:59:22
